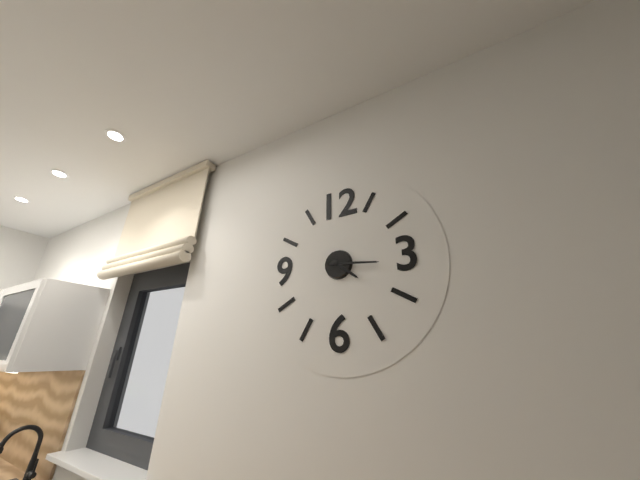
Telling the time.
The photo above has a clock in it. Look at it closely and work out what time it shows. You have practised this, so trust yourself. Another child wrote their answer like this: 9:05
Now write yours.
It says 4:16
